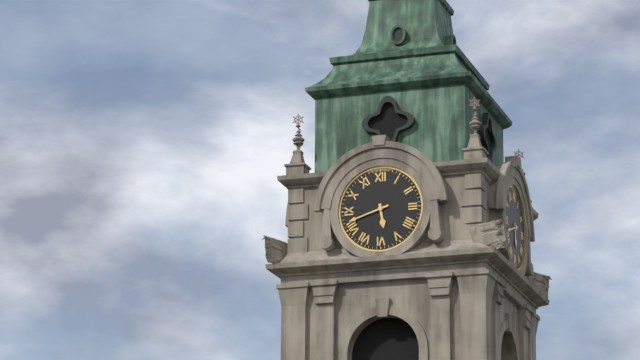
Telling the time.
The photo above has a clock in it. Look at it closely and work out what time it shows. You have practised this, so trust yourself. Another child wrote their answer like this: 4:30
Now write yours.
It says 5:42
